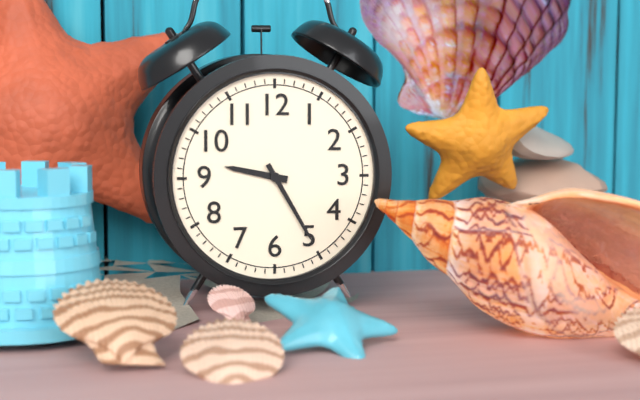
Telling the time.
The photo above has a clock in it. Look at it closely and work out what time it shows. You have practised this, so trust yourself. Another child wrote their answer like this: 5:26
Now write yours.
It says 9:25
